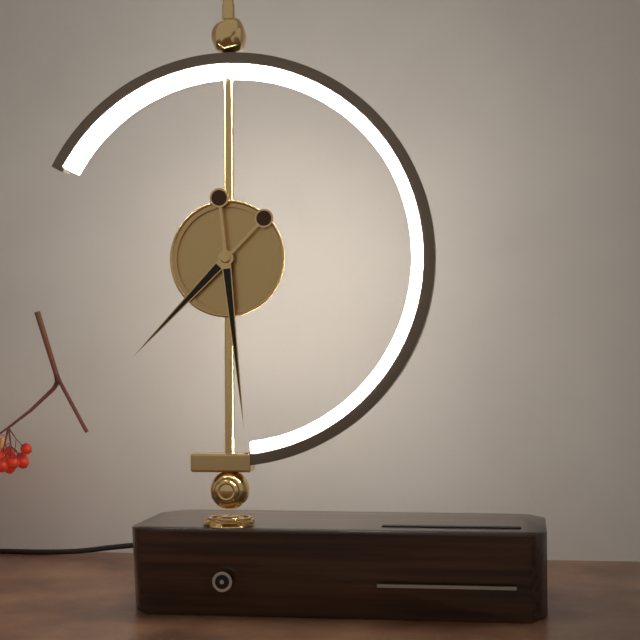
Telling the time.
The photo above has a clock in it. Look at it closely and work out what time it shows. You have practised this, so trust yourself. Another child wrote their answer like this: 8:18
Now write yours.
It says 7:29
